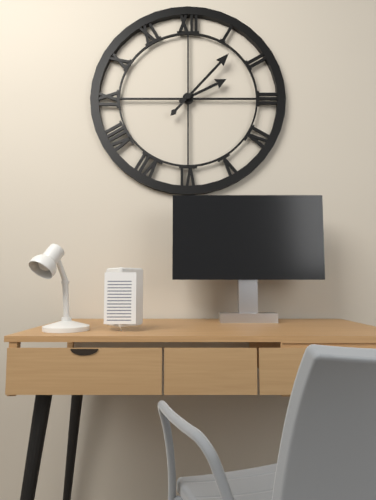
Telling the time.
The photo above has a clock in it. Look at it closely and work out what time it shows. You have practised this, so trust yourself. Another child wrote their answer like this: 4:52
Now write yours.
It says 2:07
